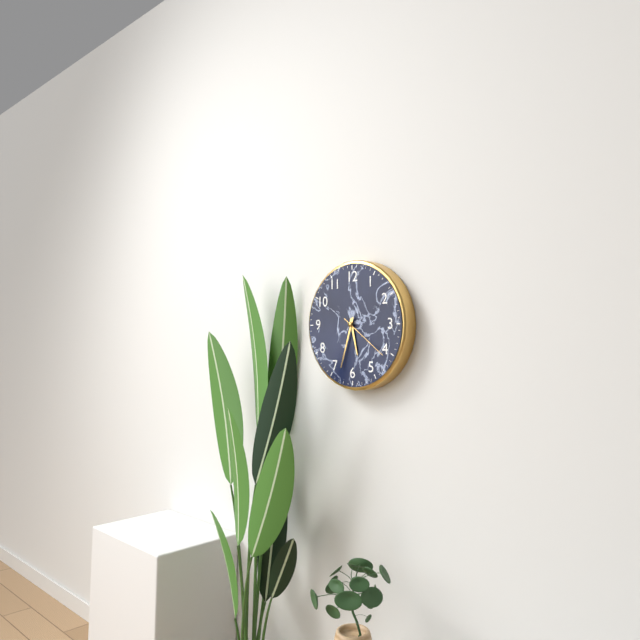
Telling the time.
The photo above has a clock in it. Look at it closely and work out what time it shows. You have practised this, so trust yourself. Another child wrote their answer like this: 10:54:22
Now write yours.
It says 5:33:21
